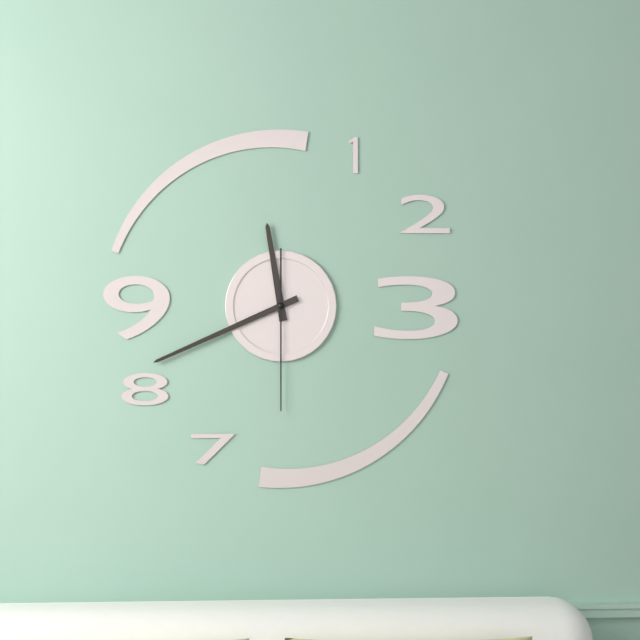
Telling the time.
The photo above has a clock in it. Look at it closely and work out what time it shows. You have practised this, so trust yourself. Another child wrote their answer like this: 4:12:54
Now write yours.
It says 11:41:30
